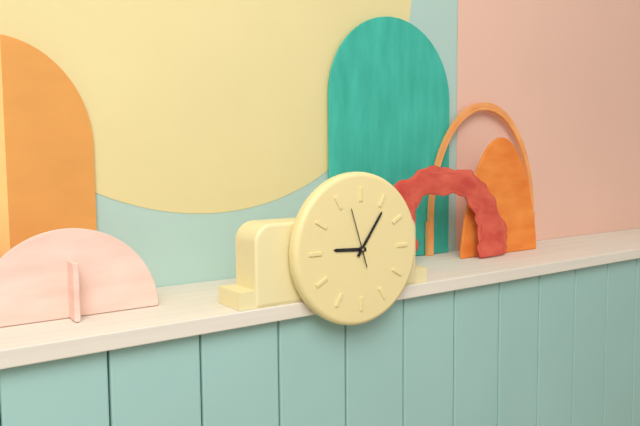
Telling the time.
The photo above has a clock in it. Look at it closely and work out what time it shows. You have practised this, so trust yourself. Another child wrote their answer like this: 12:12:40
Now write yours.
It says 9:06:57
